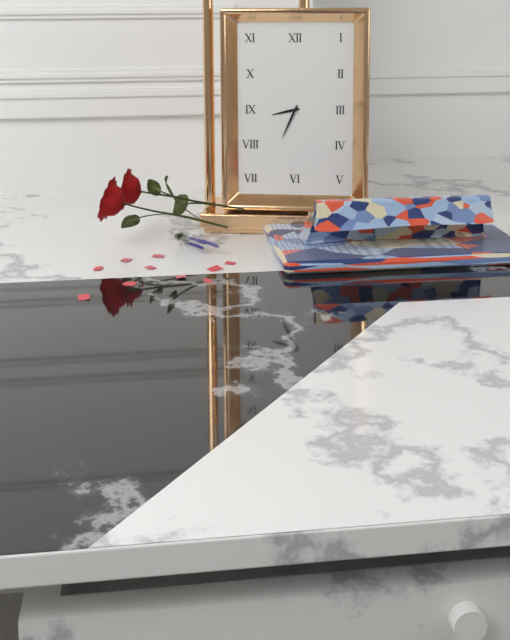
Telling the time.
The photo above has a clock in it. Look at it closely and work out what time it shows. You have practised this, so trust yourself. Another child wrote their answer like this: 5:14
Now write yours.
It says 8:34
